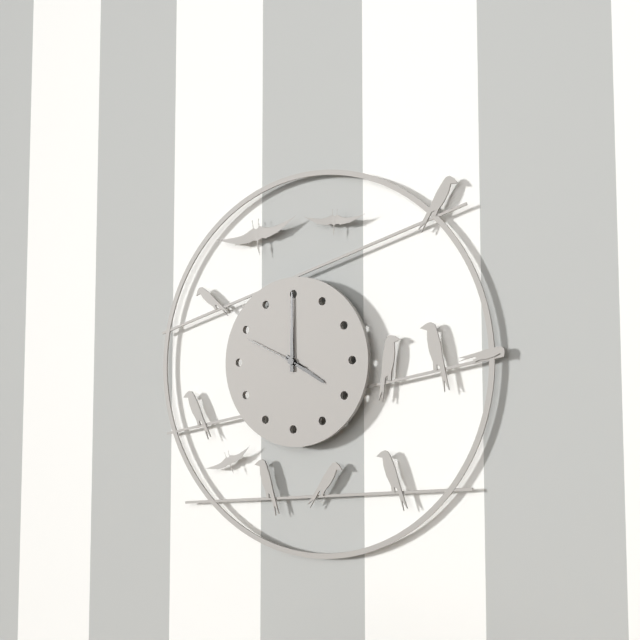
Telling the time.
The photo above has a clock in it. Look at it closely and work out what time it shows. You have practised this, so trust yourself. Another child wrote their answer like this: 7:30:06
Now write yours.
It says 4:00:49
